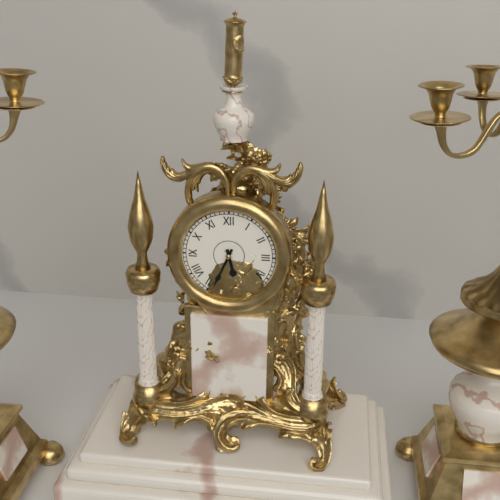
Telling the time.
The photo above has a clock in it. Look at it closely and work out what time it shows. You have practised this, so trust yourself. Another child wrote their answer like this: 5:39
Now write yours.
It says 5:34
